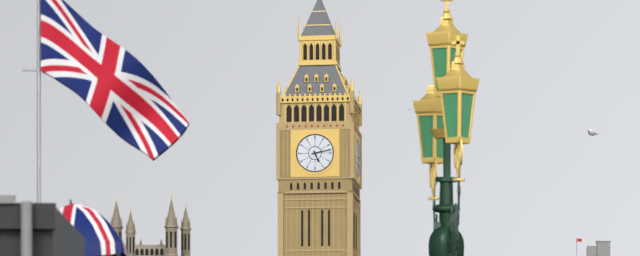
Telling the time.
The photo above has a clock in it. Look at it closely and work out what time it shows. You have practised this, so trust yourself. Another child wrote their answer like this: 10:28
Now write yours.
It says 5:13
